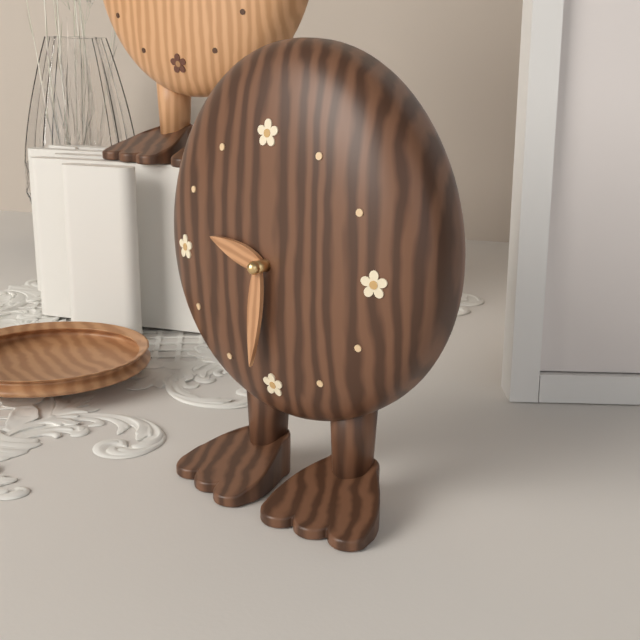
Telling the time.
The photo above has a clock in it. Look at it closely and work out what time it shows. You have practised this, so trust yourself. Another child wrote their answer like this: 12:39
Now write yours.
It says 9:31
